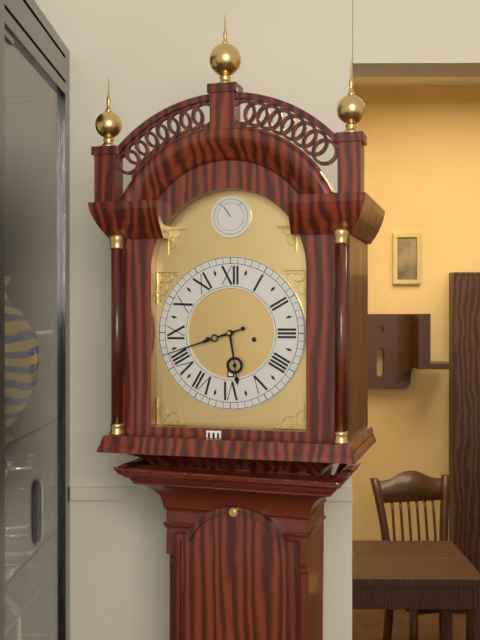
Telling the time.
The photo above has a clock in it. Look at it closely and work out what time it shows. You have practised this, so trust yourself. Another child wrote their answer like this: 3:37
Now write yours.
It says 5:42
